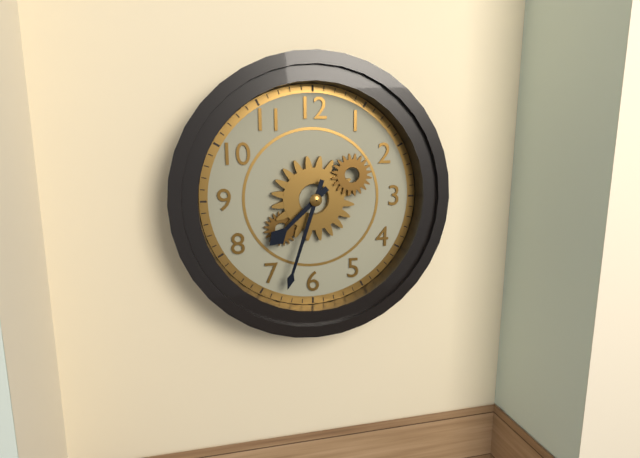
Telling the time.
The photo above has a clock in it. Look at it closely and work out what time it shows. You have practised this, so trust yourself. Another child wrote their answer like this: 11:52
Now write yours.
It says 7:33
